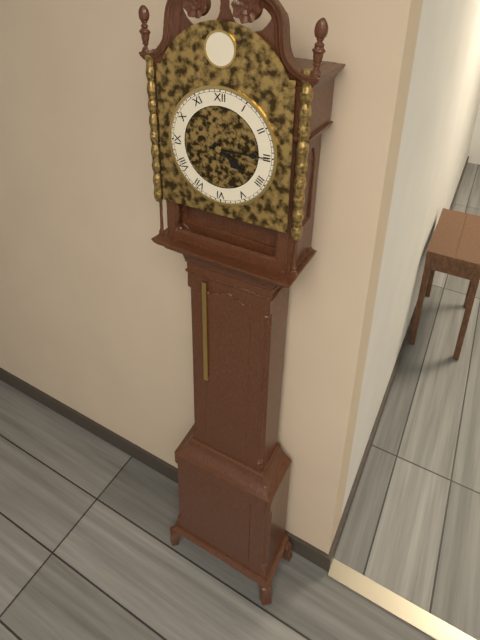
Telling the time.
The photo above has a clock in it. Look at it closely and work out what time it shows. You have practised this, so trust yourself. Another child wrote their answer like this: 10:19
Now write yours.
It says 4:15
